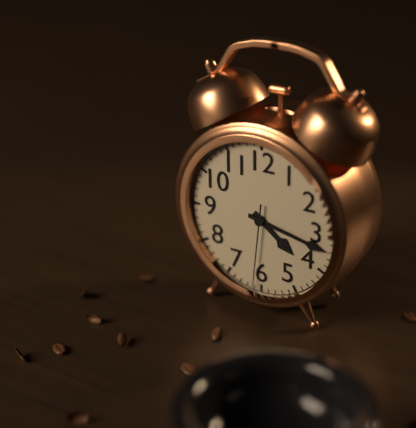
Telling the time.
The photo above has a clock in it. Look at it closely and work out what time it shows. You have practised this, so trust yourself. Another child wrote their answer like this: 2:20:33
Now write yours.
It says 4:17:31
